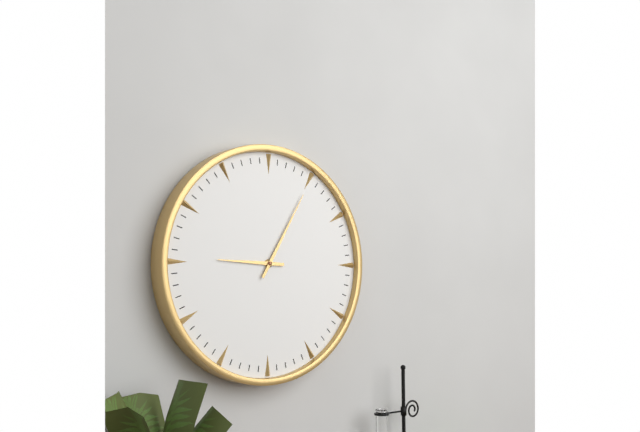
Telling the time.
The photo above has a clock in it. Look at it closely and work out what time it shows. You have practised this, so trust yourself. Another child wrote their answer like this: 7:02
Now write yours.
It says 9:05
